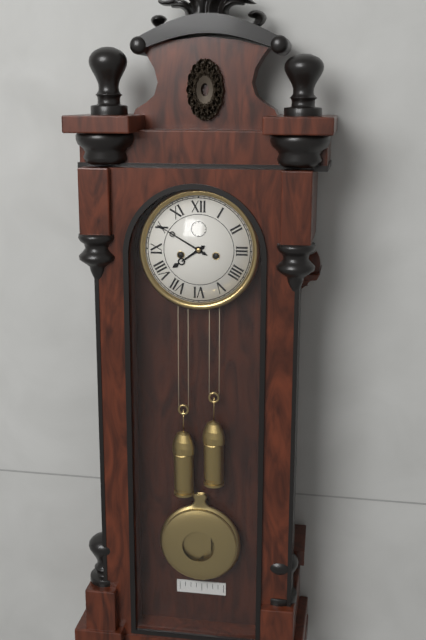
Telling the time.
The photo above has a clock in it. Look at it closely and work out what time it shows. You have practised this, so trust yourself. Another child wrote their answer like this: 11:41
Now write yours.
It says 7:50
